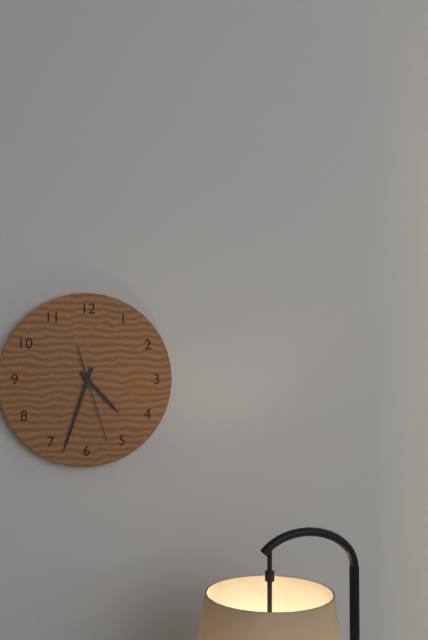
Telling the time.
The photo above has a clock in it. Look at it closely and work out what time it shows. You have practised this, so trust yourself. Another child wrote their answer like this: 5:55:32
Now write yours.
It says 4:33:27
